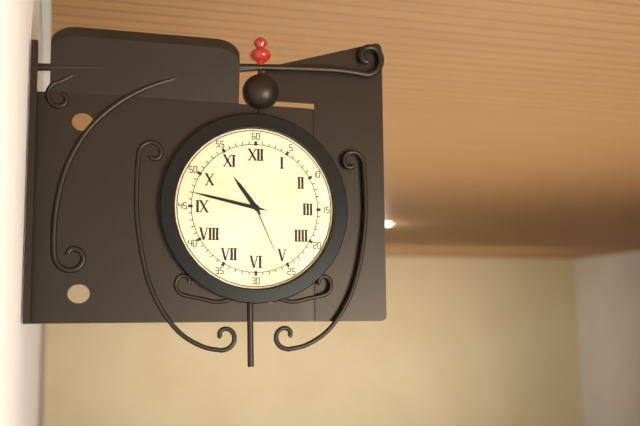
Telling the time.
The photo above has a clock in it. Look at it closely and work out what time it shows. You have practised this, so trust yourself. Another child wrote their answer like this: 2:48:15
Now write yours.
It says 10:47:26
